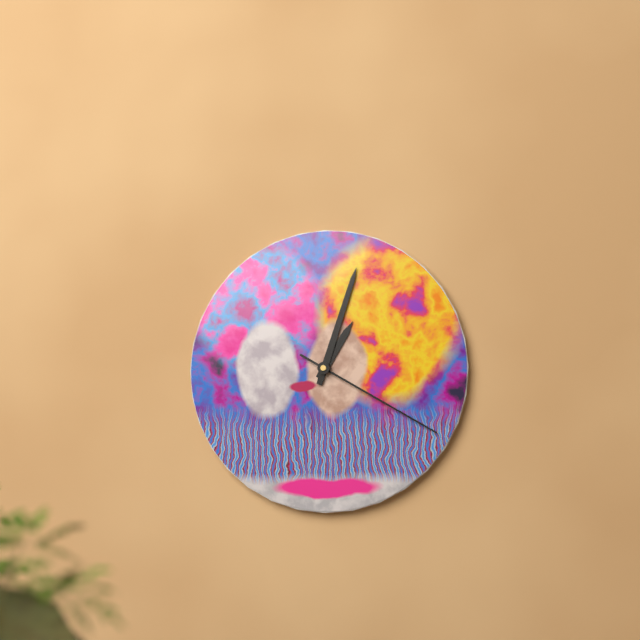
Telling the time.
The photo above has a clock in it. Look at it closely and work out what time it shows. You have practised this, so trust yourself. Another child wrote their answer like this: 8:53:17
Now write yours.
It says 1:03:20
